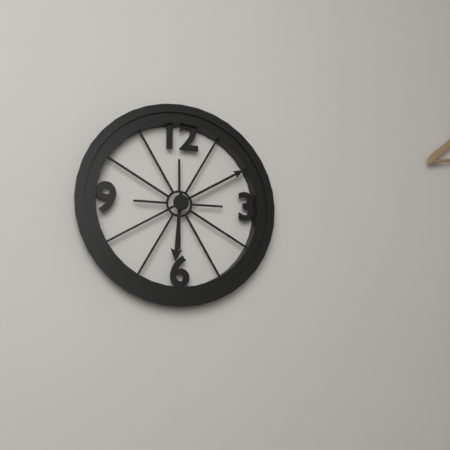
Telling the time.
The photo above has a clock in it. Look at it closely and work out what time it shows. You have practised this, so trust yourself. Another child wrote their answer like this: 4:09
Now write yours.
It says 6:10
